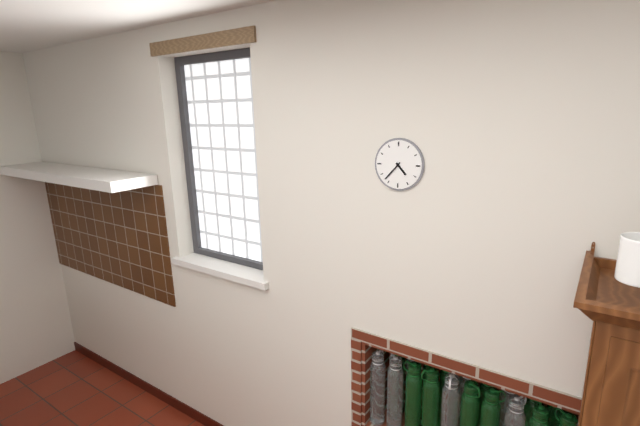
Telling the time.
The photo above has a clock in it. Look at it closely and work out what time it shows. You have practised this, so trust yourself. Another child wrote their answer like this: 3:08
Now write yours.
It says 4:37
